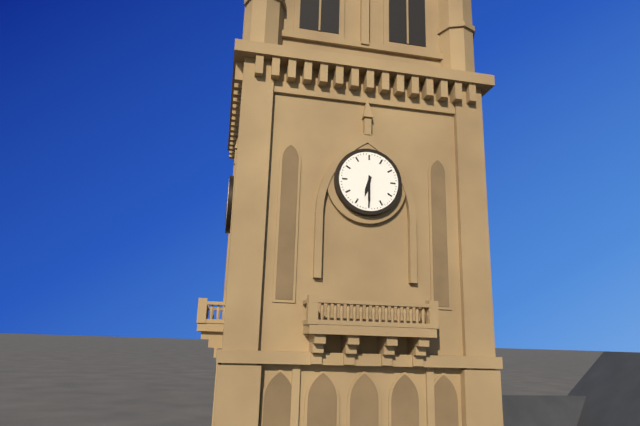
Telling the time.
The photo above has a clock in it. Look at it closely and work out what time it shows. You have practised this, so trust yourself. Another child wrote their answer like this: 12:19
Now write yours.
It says 6:30
